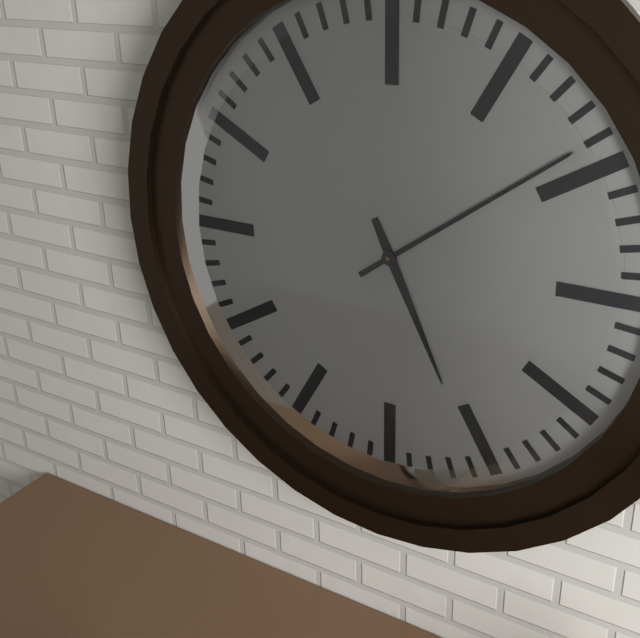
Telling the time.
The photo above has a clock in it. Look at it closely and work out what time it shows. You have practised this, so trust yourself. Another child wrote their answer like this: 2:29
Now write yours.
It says 5:09
